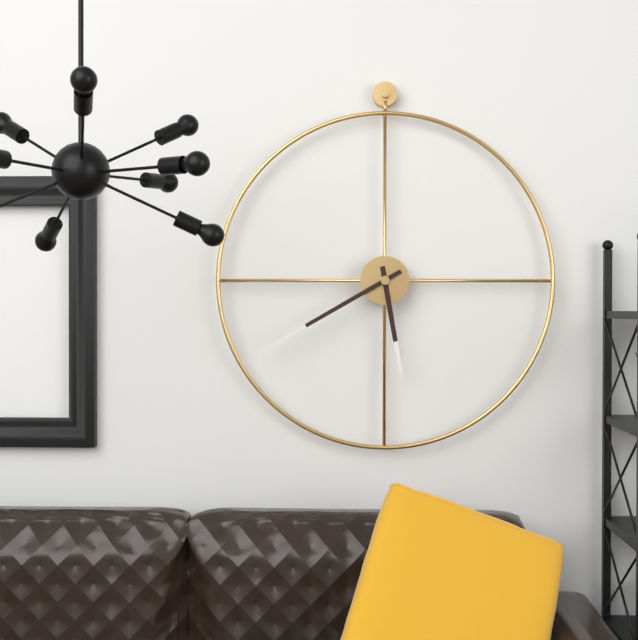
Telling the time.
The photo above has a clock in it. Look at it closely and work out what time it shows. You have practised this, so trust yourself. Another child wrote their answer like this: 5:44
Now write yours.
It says 5:40
